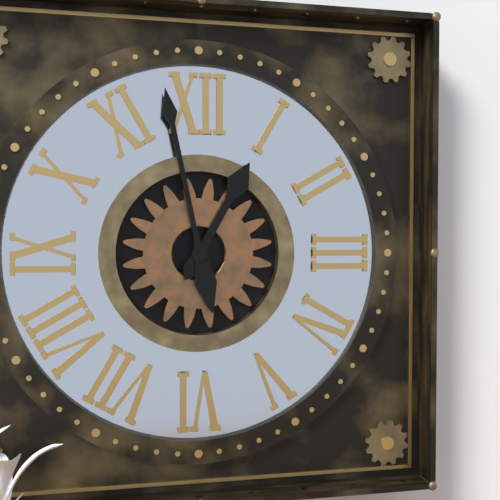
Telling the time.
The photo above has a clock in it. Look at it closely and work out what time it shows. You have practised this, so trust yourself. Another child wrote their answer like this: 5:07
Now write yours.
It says 12:58
